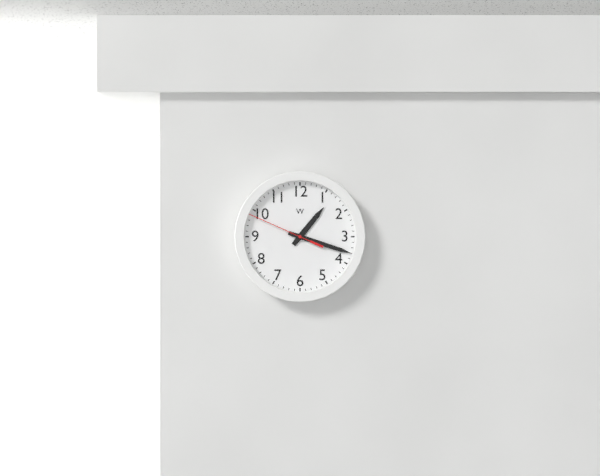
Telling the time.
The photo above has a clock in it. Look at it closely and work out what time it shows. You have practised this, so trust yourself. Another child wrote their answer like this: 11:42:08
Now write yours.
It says 1:18:49
